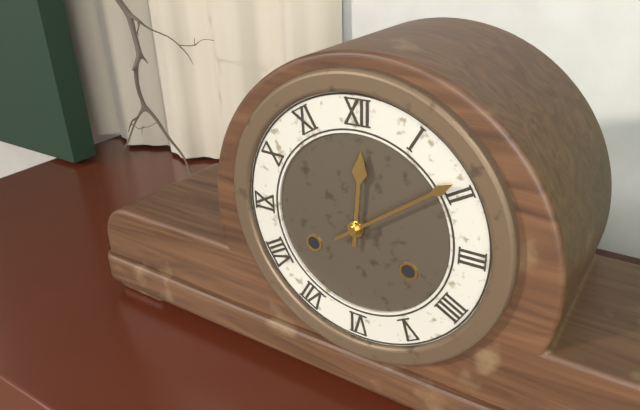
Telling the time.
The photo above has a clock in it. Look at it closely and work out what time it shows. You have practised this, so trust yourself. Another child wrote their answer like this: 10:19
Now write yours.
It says 12:09
